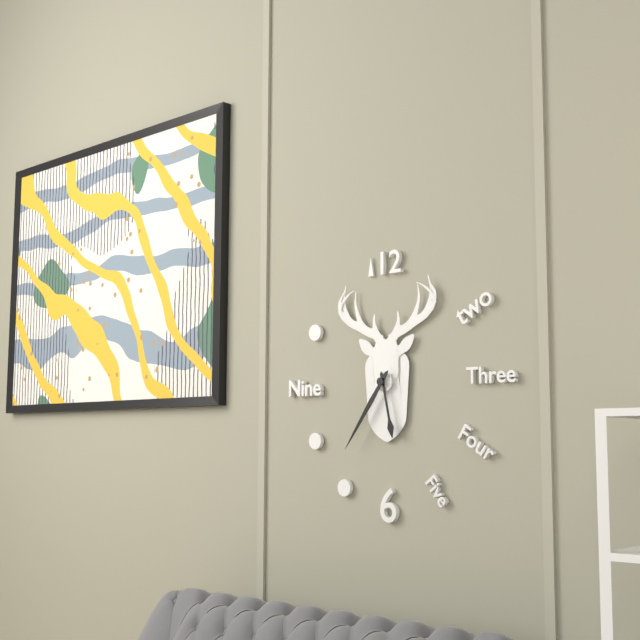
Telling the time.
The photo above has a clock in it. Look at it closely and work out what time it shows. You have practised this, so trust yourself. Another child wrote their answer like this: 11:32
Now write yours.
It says 5:36
